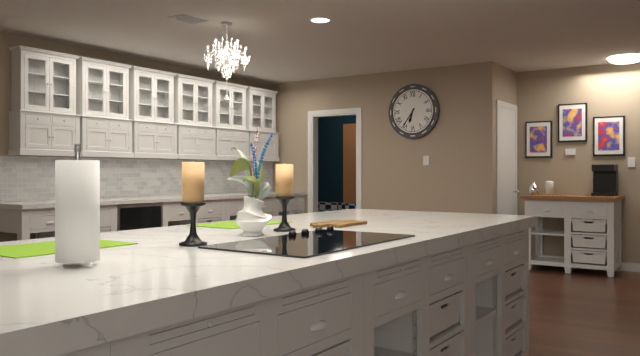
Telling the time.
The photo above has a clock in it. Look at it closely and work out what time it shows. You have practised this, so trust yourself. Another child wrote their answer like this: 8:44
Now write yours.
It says 6:36
